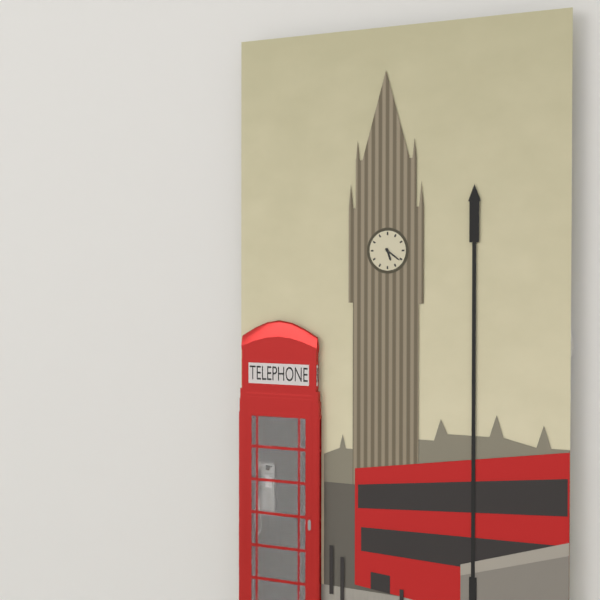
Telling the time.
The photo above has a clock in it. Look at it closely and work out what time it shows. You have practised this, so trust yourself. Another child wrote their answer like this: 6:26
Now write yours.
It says 5:21
